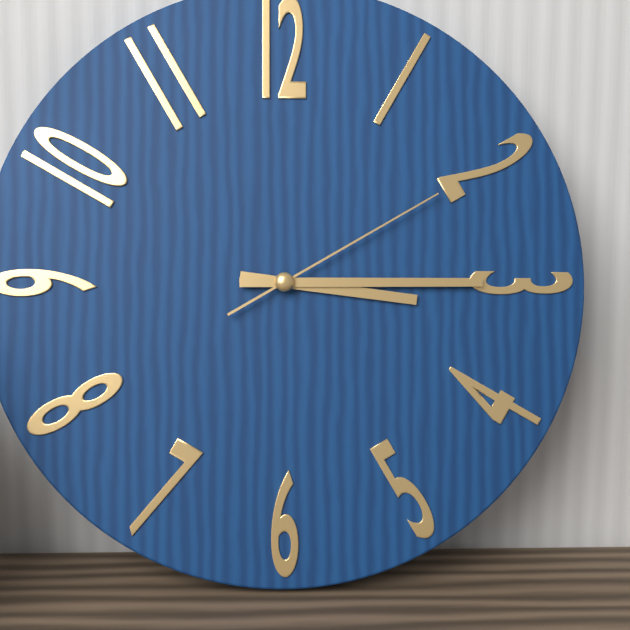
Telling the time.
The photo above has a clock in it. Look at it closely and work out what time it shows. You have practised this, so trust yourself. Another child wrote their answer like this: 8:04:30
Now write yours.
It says 3:15:10
